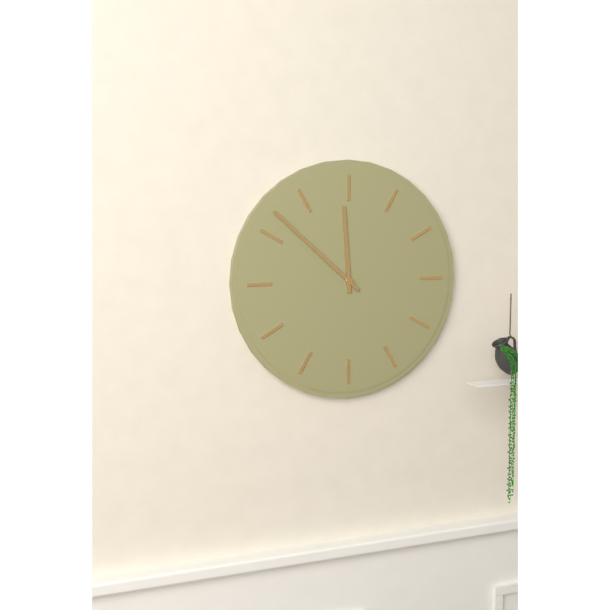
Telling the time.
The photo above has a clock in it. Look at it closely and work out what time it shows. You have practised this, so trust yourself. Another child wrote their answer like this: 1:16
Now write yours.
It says 11:52
